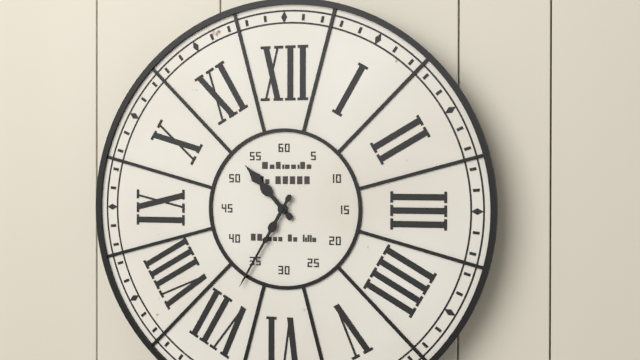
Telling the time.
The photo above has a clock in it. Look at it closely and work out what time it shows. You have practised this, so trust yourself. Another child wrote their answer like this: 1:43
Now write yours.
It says 10:35
